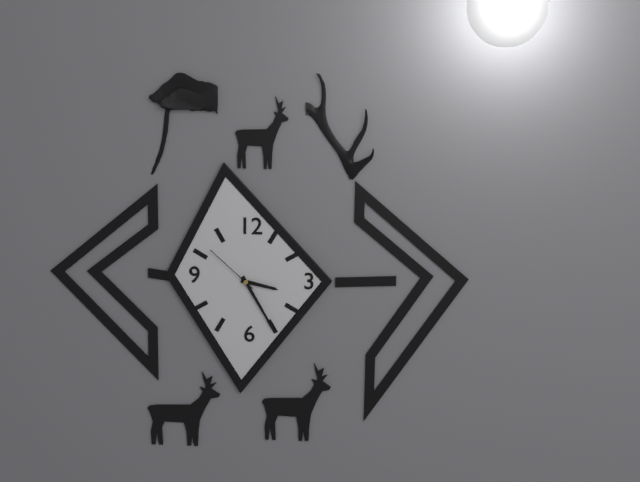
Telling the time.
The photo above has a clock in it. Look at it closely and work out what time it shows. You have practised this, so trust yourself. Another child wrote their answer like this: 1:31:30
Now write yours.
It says 3:25:52
